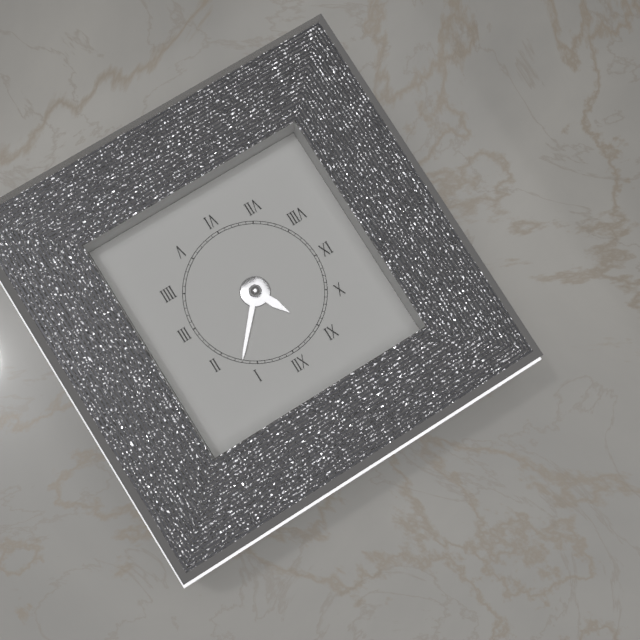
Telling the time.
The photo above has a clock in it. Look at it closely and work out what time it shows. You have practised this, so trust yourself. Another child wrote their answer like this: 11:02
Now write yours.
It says 11:07
